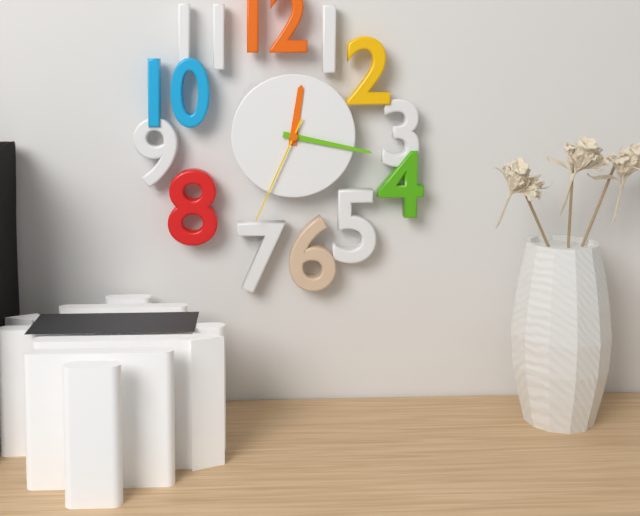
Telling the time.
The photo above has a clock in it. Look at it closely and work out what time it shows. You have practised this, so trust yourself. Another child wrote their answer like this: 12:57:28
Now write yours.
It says 12:17:34
